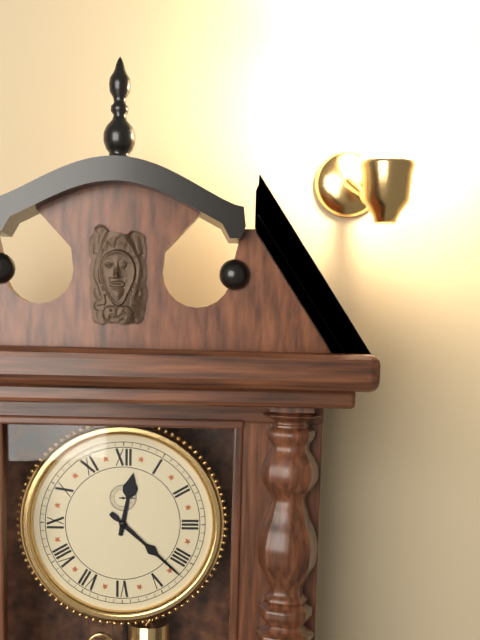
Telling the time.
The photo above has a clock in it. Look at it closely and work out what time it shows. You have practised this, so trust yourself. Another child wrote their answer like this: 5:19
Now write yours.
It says 12:22
